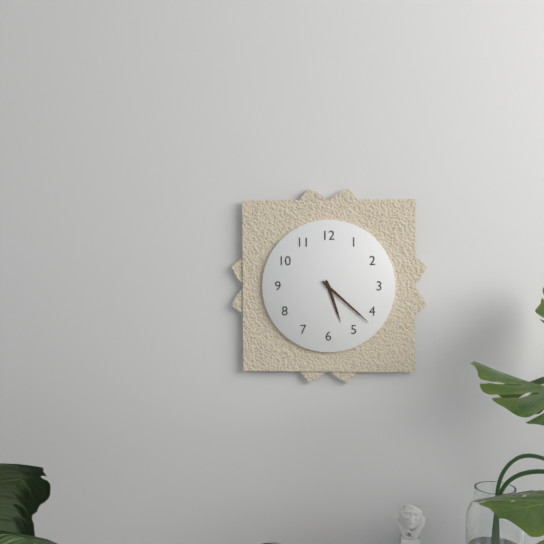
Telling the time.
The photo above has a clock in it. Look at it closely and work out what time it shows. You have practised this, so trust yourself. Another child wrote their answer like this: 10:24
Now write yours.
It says 5:22
